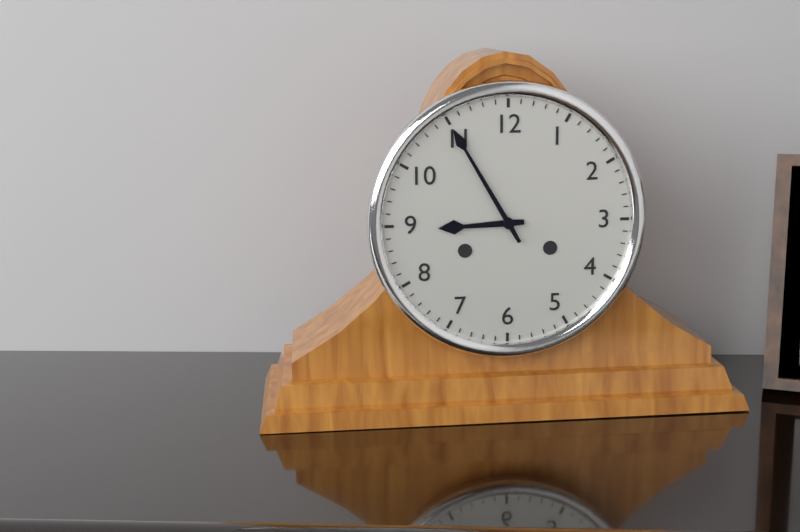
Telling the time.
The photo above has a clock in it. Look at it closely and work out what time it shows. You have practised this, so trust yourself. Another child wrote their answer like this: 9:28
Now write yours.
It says 8:55
